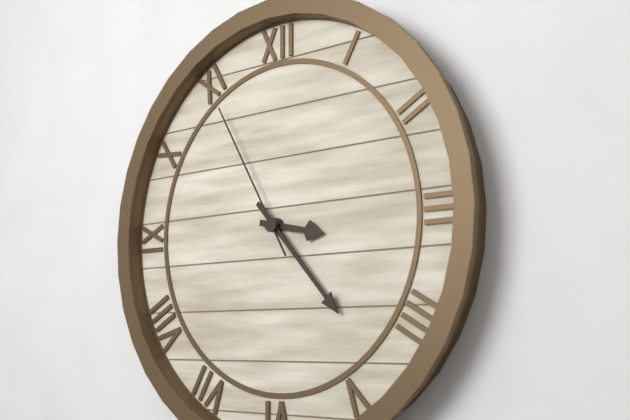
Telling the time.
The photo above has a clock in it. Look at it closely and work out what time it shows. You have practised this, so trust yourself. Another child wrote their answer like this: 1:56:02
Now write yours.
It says 3:23:55
